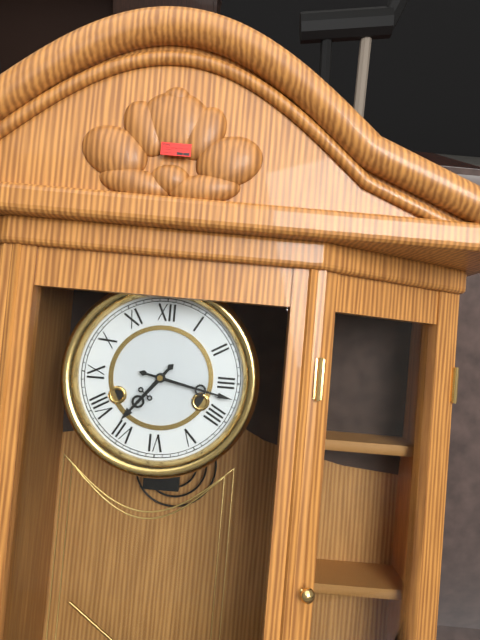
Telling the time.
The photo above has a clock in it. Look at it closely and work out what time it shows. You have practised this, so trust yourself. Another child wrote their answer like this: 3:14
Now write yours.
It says 7:17
